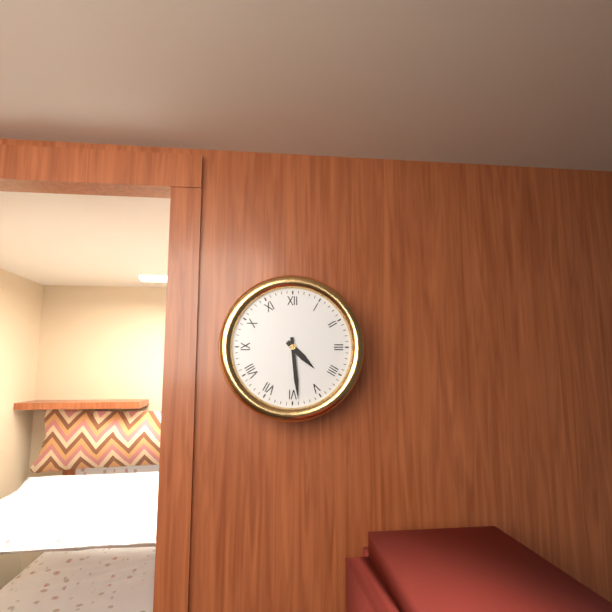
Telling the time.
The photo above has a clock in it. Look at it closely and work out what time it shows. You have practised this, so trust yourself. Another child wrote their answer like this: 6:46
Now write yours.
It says 4:29
